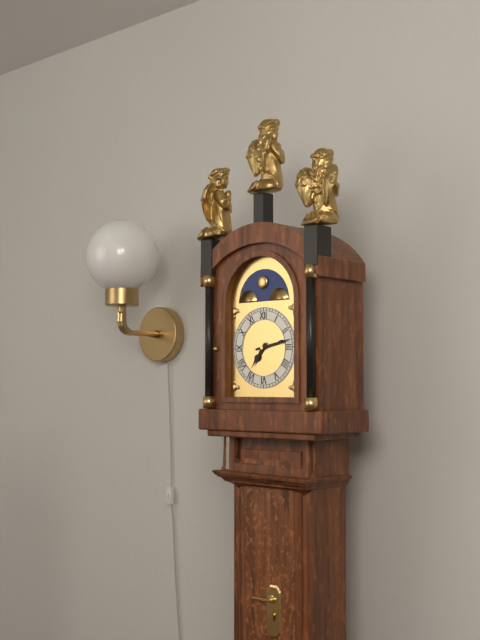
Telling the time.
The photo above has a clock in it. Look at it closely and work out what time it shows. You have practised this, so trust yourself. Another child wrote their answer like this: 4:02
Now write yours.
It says 7:13
